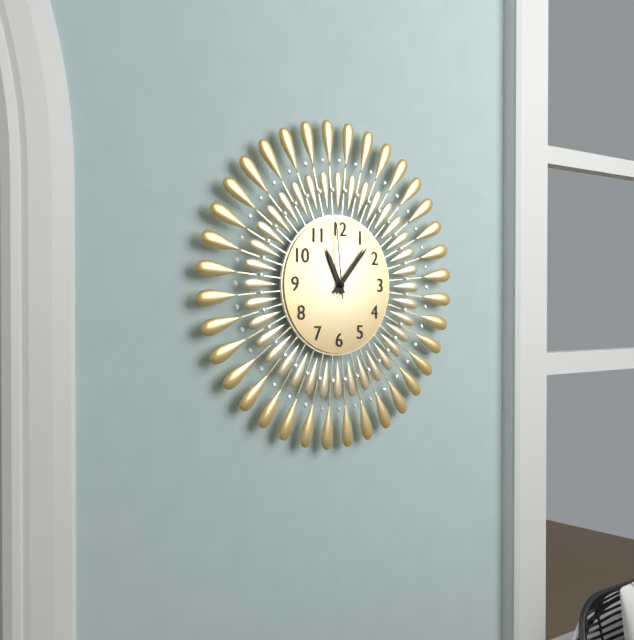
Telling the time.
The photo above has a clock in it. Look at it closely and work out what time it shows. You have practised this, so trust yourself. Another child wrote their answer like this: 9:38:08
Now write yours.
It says 11:07:59
